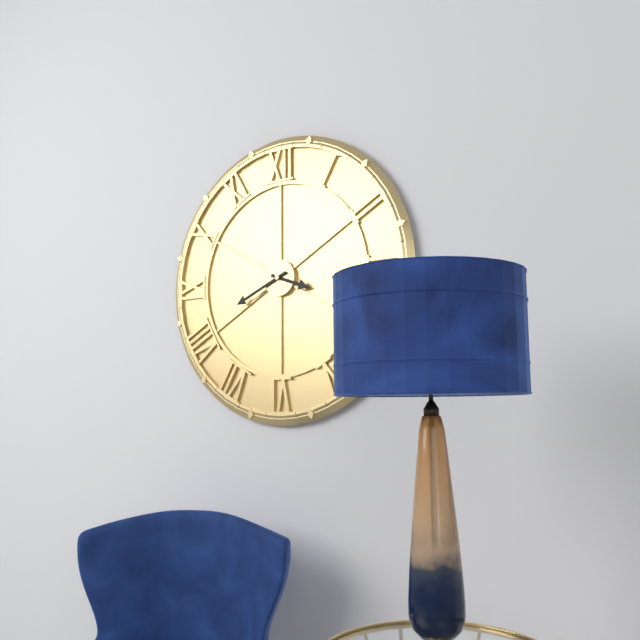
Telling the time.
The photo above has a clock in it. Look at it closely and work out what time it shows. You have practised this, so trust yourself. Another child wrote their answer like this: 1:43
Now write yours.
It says 3:41
